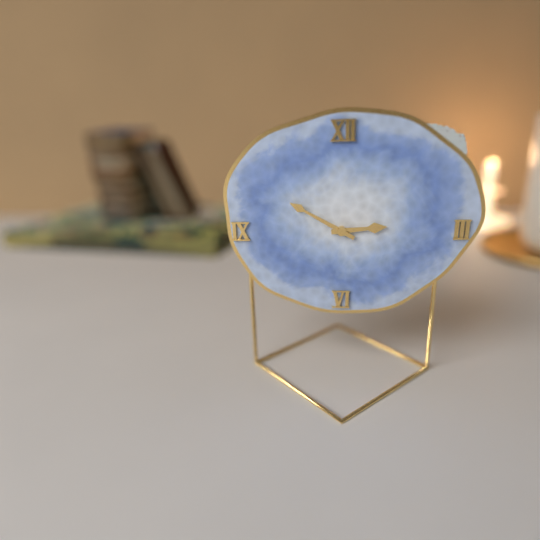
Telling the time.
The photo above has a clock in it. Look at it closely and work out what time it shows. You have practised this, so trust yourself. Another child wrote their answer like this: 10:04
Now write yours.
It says 2:50
